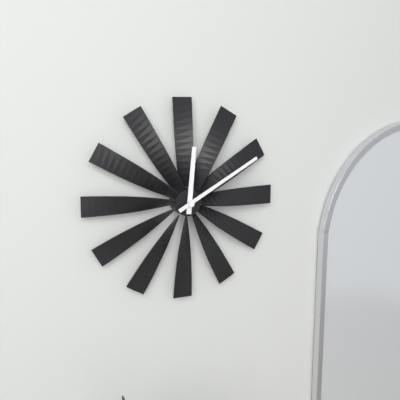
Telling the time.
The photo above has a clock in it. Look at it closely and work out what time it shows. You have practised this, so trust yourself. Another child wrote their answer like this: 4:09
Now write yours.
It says 12:10
